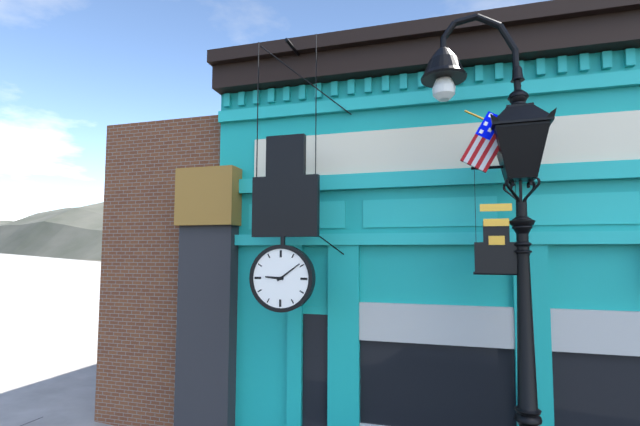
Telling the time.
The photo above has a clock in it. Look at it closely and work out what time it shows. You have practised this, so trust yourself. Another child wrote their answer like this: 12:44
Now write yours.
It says 9:09
